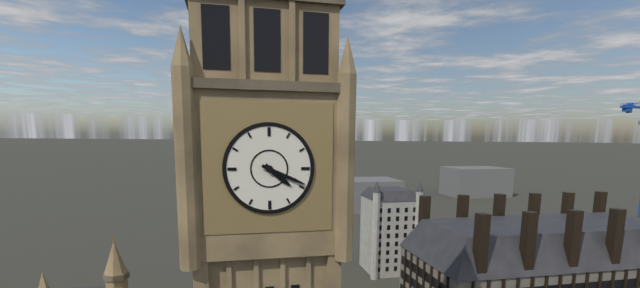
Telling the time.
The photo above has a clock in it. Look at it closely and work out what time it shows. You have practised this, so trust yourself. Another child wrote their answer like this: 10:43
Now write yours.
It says 4:19
